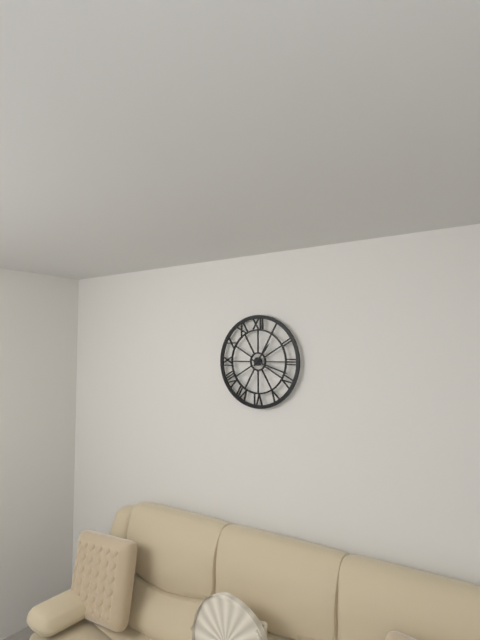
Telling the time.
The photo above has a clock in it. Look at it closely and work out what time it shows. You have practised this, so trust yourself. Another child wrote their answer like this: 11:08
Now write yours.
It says 1:18
